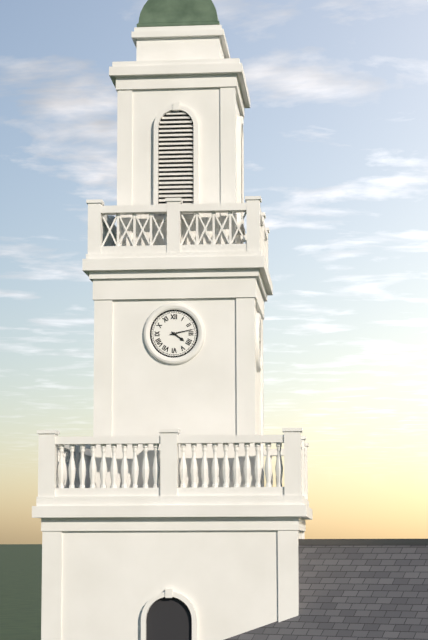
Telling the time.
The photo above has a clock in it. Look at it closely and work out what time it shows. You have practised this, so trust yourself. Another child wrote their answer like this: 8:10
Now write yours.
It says 4:13
